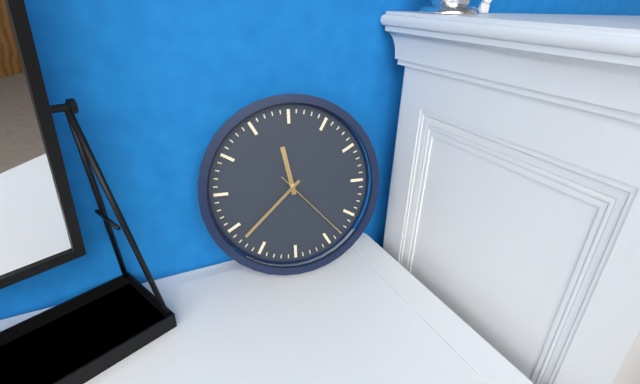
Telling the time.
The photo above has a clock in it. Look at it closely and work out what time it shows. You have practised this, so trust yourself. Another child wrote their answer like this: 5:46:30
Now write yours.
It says 11:38:23
